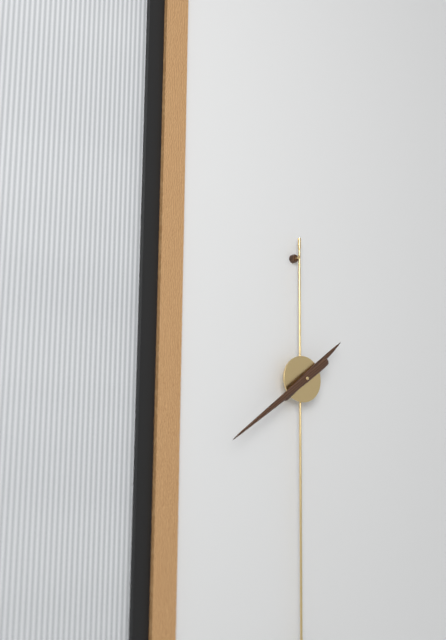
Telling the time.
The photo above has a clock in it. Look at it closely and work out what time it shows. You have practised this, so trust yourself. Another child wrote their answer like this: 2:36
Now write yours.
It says 1:39
